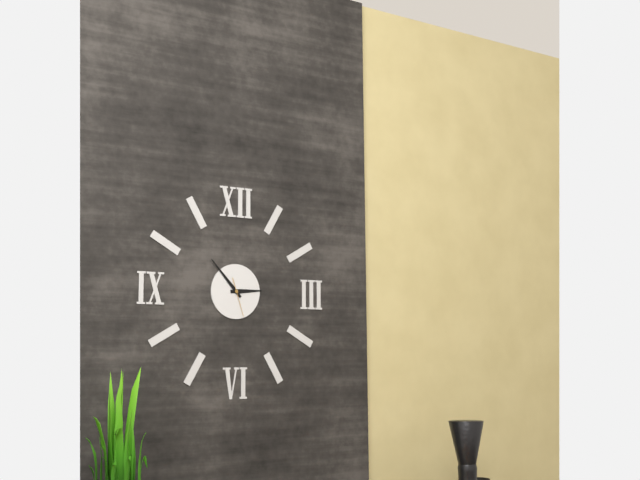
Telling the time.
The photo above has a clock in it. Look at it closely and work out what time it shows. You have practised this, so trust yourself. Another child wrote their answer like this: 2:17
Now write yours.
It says 2:53
